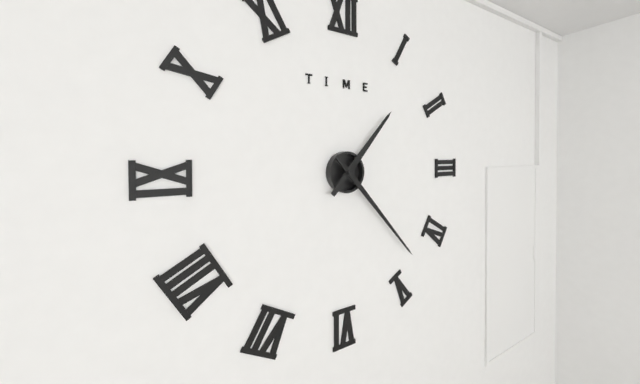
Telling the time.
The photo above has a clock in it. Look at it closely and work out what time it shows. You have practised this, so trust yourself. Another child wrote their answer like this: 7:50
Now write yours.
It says 1:23
